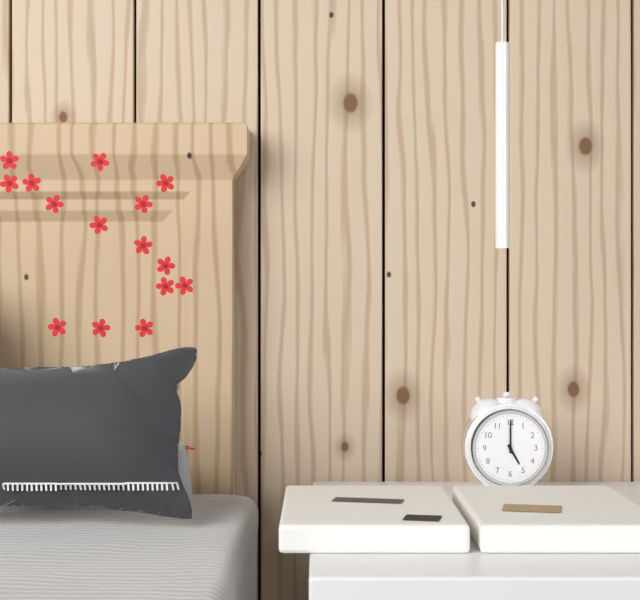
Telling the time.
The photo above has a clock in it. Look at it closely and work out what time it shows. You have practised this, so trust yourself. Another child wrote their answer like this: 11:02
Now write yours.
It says 5:00
